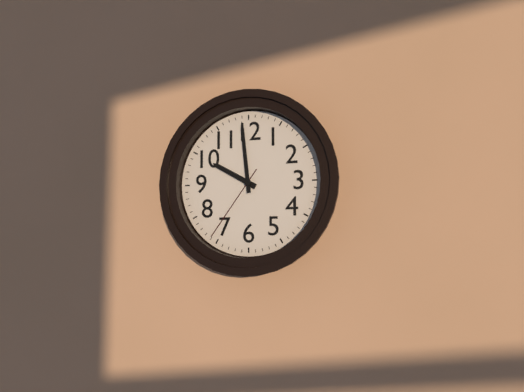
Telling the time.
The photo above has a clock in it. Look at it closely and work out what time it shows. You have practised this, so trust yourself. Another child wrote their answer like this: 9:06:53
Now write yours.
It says 9:59:36
